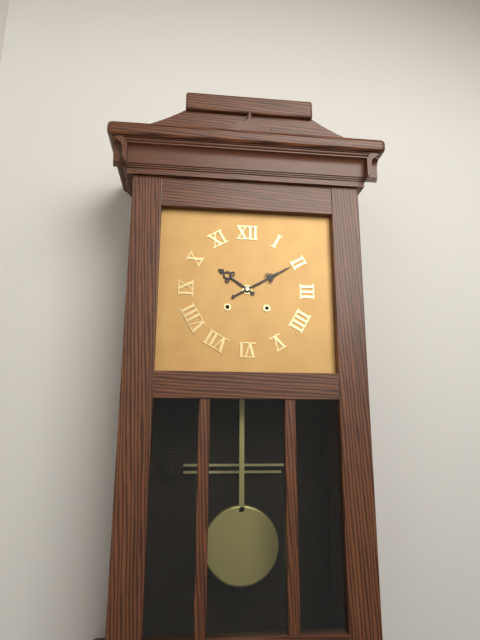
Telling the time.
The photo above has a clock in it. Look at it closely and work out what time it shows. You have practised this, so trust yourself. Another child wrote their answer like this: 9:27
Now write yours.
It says 10:10
